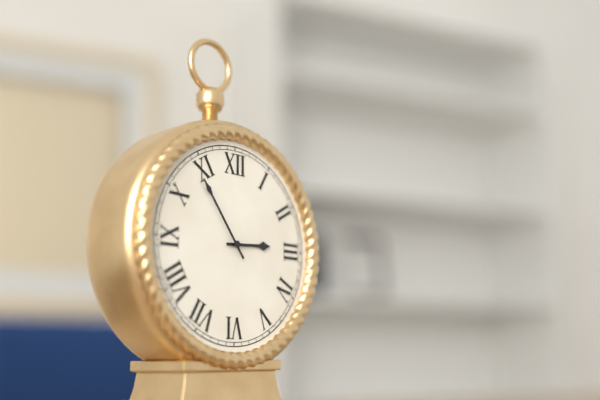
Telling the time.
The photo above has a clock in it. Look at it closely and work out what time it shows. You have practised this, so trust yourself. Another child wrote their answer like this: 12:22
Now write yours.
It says 2:54
